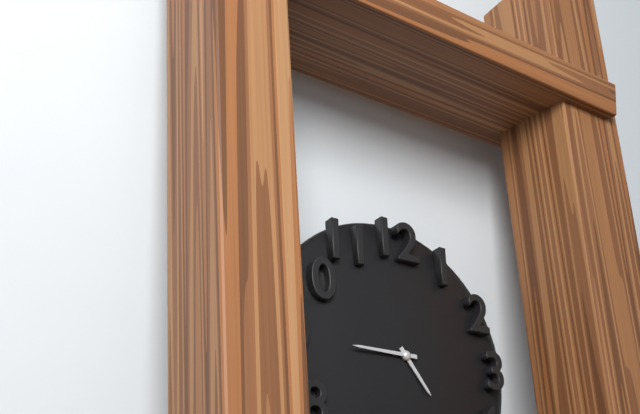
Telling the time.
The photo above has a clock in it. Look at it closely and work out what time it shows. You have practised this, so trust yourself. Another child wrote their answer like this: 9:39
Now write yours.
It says 4:45
